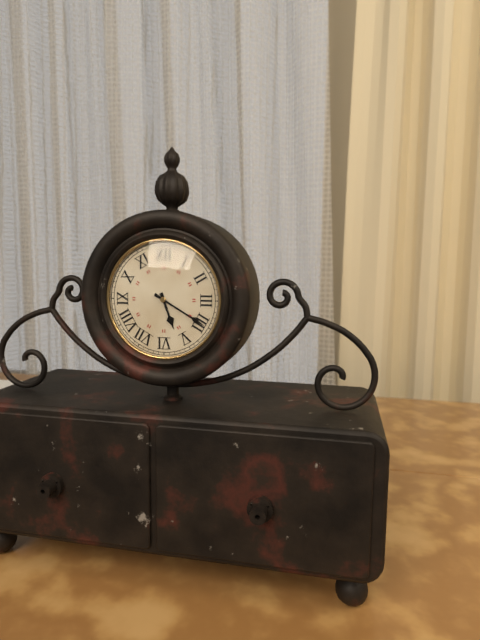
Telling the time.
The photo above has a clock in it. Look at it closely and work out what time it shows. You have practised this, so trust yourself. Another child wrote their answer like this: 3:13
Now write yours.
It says 5:20
